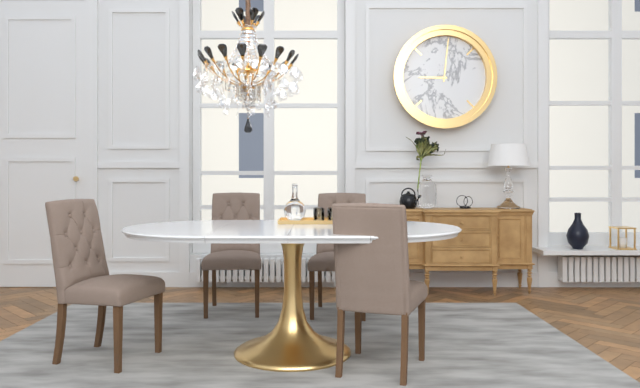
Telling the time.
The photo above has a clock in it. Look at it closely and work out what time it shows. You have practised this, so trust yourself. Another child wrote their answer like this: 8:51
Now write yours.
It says 9:01
